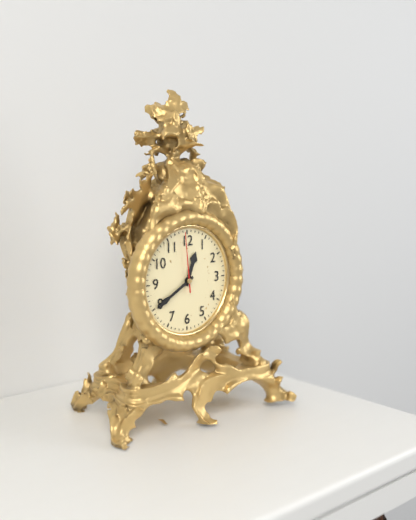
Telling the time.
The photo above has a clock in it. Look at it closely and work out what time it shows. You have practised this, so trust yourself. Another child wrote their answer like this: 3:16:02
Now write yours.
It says 12:40:59
